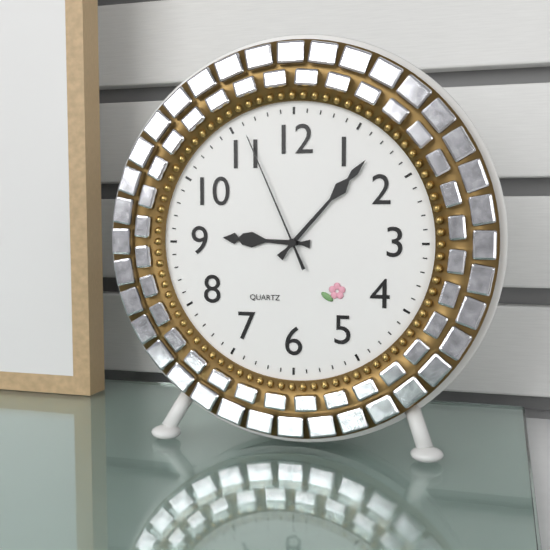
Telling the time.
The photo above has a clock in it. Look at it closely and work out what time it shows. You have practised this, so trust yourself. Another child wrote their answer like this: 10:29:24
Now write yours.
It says 9:07:56
